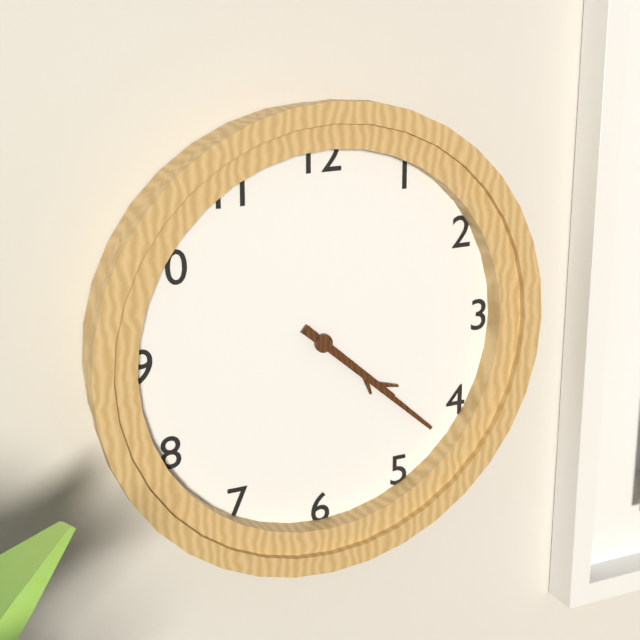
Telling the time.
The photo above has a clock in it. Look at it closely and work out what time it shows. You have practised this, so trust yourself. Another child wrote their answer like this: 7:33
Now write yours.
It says 4:22
